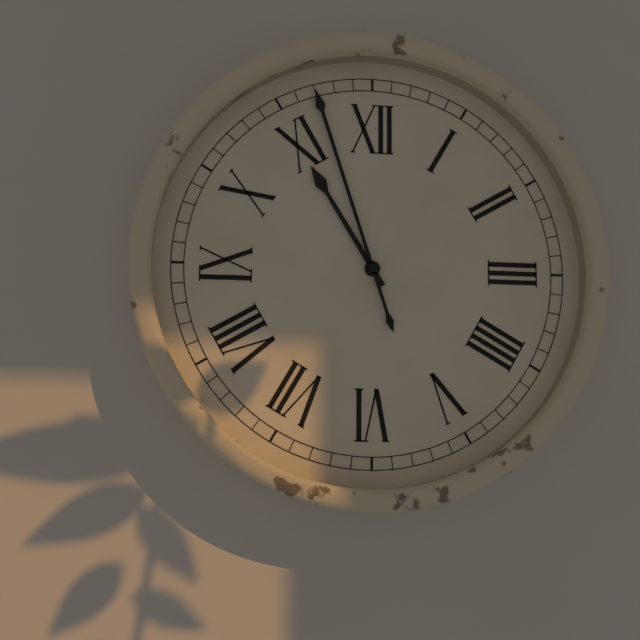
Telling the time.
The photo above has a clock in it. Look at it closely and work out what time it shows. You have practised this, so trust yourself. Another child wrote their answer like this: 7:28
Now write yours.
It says 10:57
